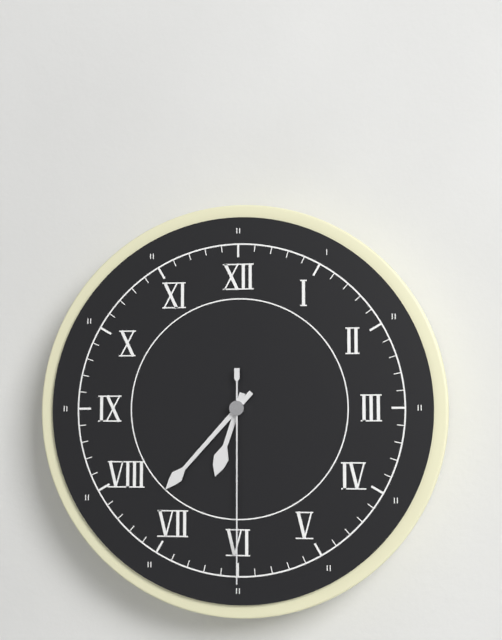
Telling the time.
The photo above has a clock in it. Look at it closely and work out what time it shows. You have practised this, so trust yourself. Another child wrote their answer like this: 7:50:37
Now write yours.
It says 6:37:30
